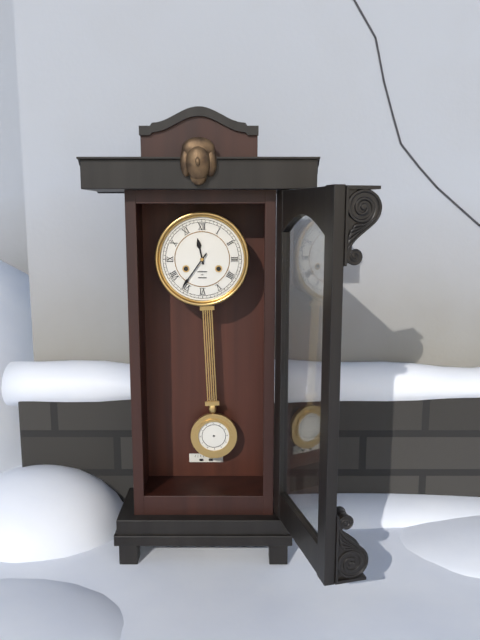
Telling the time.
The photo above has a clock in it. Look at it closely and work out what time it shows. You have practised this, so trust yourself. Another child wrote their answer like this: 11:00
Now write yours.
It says 11:36
